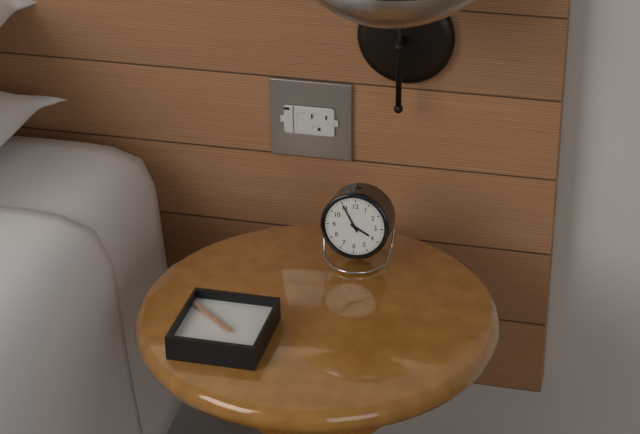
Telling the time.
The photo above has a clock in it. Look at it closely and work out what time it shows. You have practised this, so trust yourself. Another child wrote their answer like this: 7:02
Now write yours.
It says 3:55
